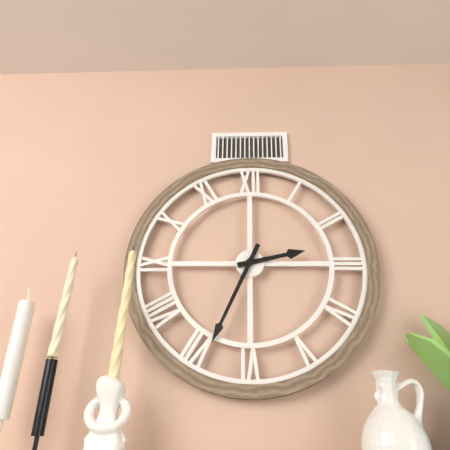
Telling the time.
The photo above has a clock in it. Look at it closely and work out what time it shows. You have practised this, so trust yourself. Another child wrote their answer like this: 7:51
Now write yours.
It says 2:34
